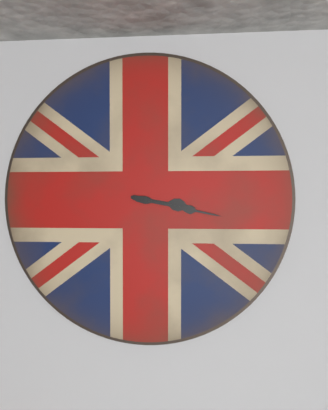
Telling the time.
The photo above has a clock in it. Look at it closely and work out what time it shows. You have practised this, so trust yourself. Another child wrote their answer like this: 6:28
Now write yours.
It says 3:17
